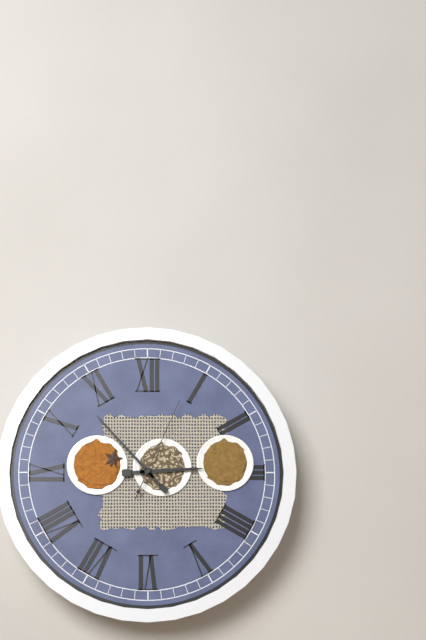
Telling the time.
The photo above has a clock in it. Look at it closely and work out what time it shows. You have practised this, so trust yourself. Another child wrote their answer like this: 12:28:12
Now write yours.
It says 2:53:04
